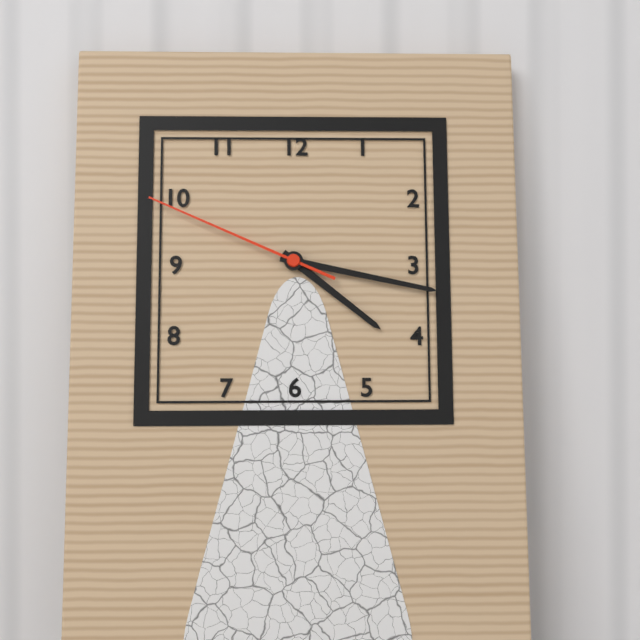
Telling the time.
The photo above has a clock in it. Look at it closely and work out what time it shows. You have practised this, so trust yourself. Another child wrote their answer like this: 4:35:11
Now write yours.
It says 4:17:49
